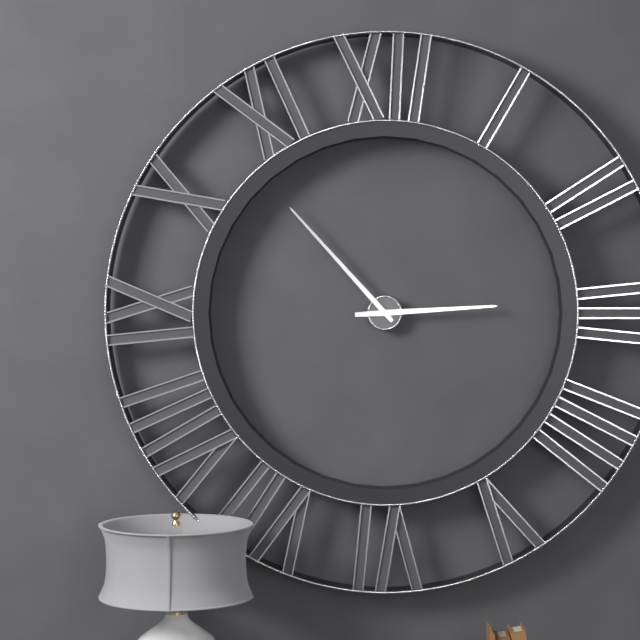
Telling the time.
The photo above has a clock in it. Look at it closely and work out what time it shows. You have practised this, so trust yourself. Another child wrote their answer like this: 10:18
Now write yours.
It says 2:53
